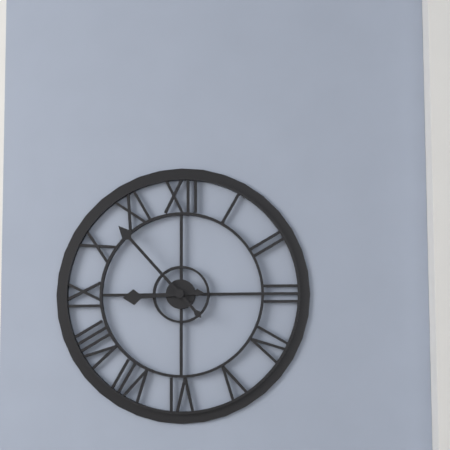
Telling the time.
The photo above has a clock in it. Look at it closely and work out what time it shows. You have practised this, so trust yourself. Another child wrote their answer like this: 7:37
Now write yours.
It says 8:53
